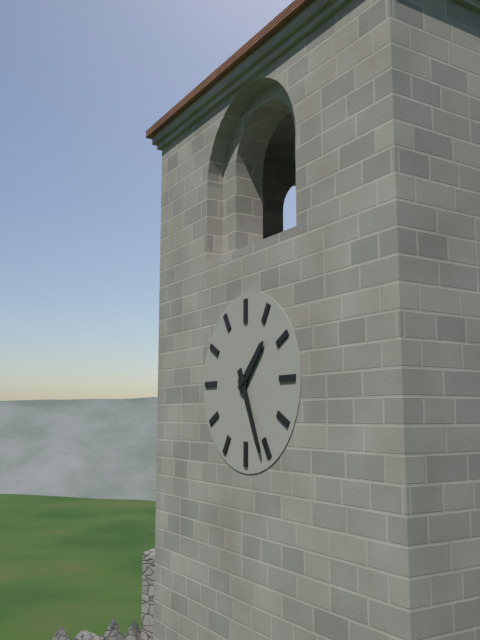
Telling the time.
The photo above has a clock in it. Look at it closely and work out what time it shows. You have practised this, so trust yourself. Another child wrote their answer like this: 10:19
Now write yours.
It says 1:26
